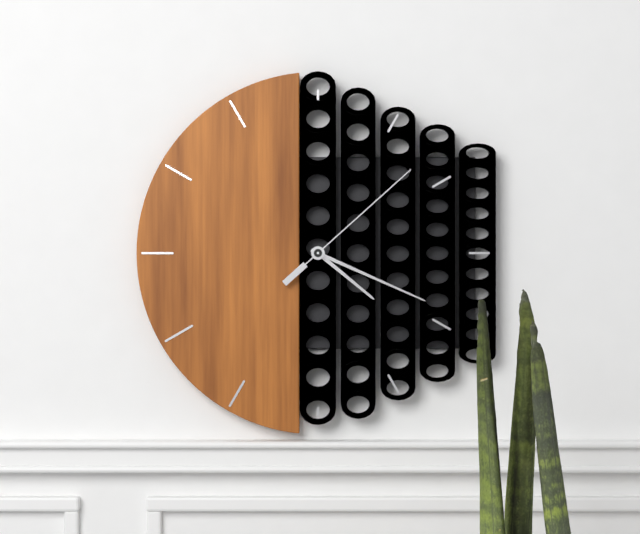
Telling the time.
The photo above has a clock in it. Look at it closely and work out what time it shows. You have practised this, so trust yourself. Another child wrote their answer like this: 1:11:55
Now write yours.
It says 4:19:08
